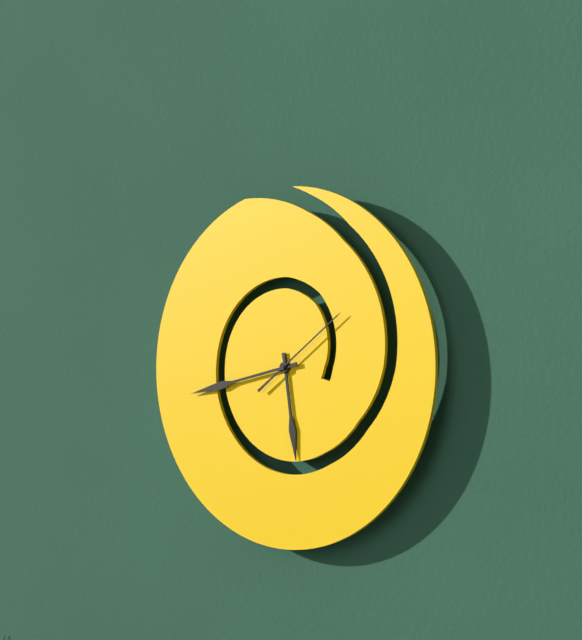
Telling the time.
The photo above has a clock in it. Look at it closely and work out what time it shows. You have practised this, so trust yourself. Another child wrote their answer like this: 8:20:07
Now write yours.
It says 5:43:09
